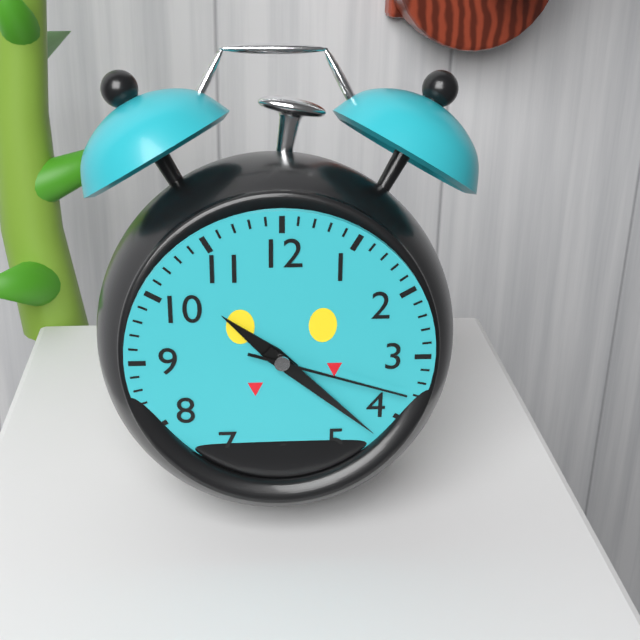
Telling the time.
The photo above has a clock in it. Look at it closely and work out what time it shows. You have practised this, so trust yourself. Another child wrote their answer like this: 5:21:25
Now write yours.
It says 10:22:18
